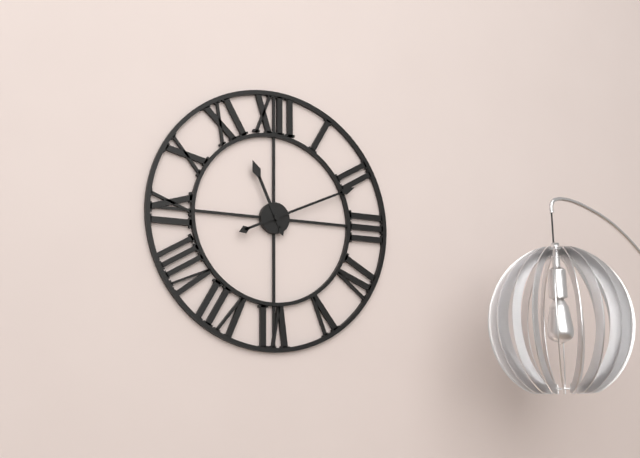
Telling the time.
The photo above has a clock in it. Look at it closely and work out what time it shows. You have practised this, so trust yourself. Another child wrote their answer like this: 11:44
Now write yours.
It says 11:11
